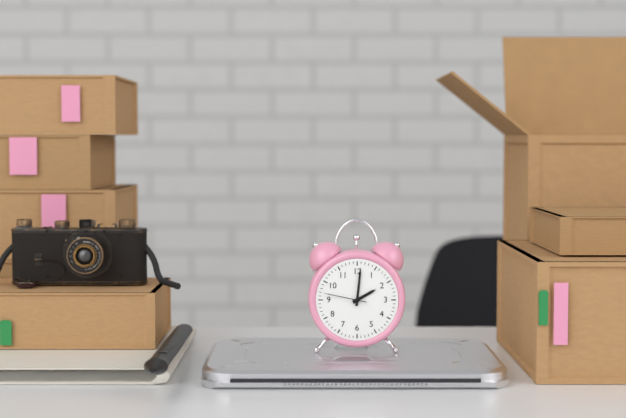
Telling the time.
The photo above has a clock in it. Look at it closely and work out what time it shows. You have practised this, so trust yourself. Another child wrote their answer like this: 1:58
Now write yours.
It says 2:01
